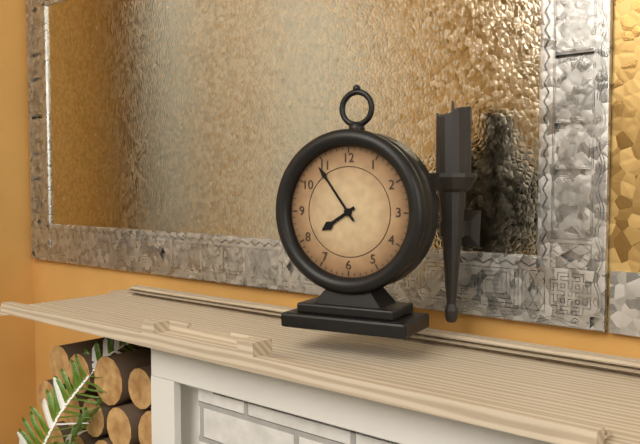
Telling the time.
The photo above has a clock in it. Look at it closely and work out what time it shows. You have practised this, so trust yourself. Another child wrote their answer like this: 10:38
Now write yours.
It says 7:54
